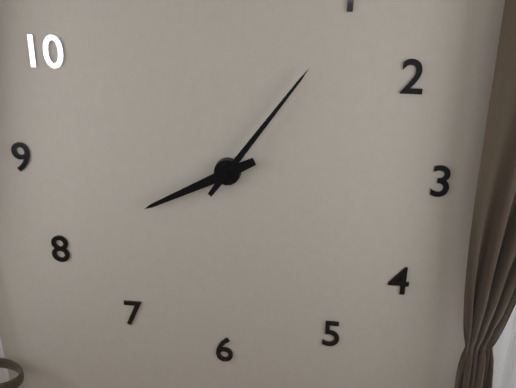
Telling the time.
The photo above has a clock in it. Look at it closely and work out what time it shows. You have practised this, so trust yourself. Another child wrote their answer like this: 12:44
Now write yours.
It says 8:06
